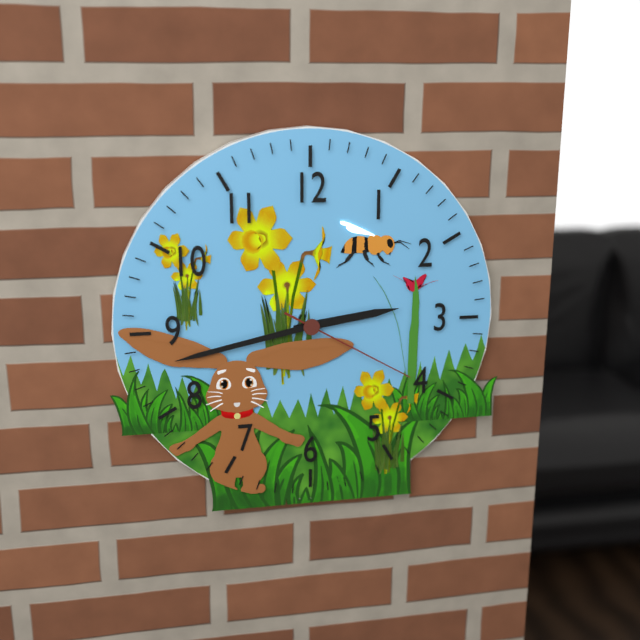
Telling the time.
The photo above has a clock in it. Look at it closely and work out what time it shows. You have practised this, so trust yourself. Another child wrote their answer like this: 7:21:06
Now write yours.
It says 2:43:20
